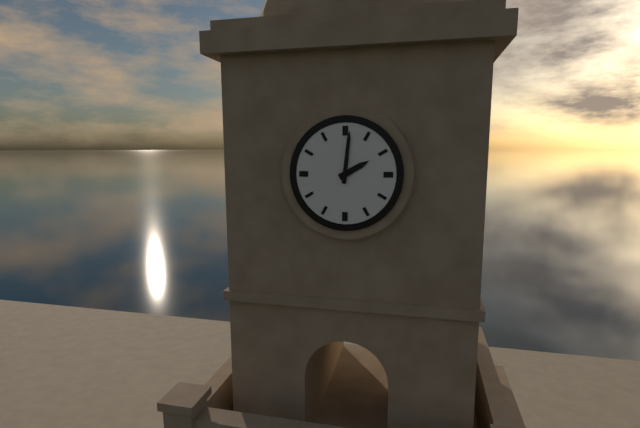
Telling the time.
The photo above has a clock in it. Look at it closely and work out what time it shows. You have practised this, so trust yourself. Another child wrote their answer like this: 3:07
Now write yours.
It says 2:01
